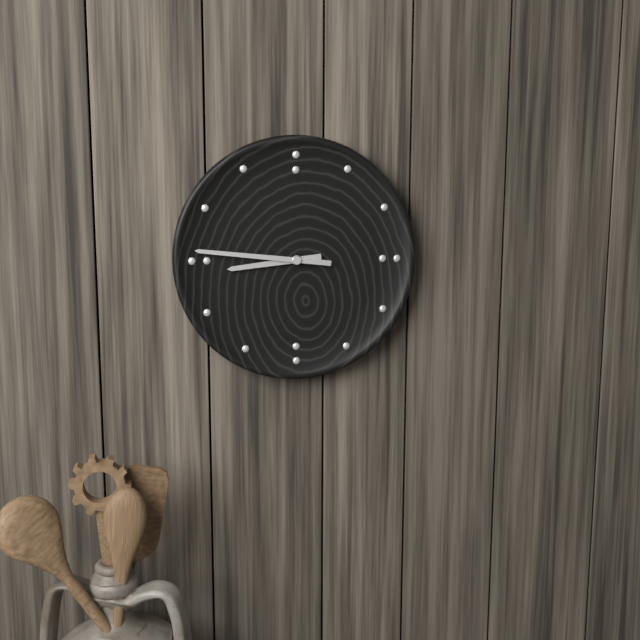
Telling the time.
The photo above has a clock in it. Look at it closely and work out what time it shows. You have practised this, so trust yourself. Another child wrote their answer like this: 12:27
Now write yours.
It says 8:46
